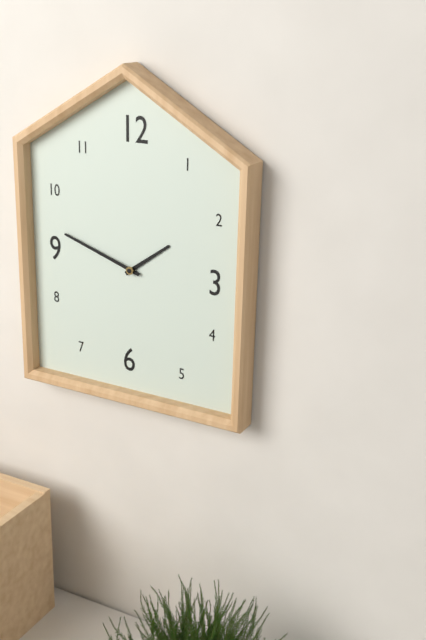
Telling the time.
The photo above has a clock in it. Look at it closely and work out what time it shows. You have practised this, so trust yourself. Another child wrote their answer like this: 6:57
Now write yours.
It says 1:48
